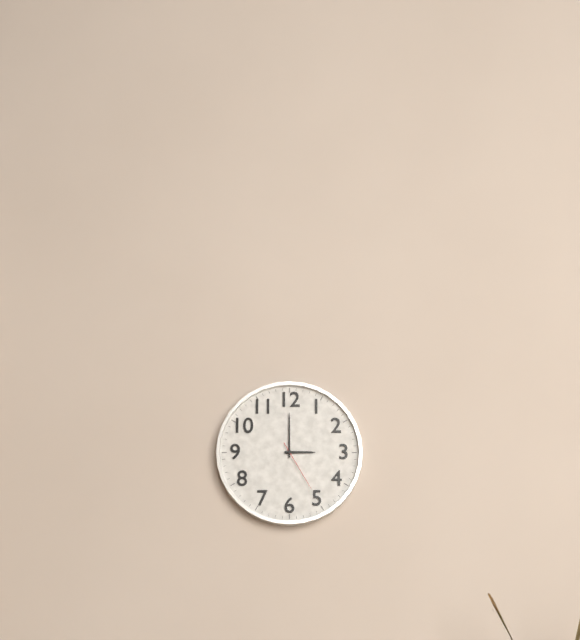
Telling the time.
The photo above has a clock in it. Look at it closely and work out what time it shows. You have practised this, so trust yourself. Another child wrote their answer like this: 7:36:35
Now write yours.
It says 3:00:25
